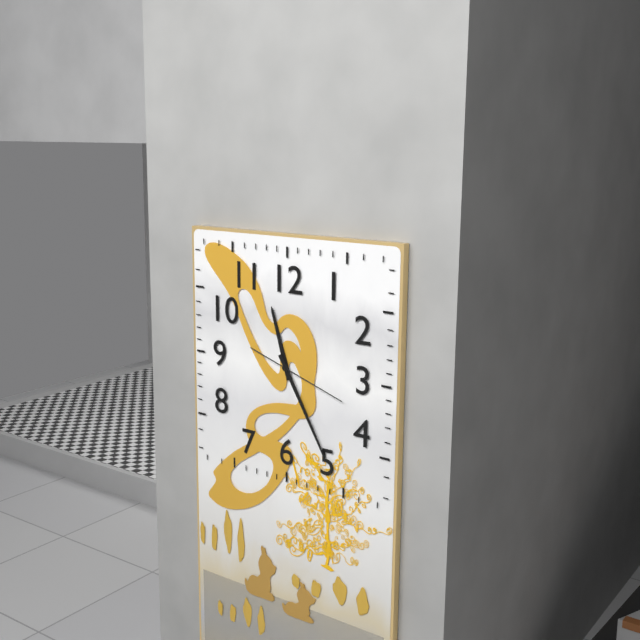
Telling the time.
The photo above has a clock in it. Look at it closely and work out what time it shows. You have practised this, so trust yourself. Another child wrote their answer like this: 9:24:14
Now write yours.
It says 11:25:18
